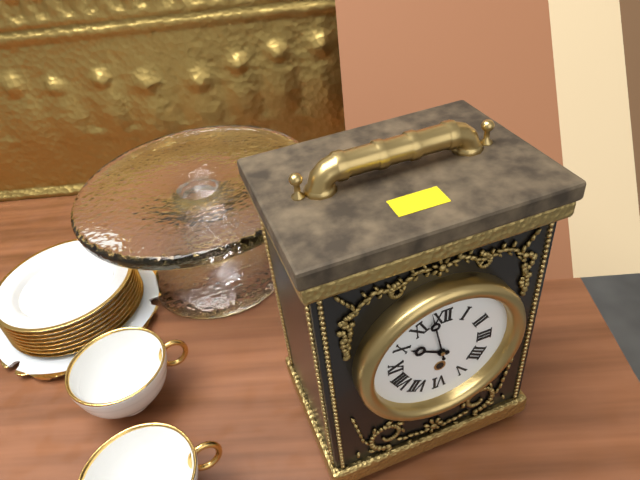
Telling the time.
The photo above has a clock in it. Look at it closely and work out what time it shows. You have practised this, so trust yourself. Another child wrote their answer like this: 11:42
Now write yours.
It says 9:58
